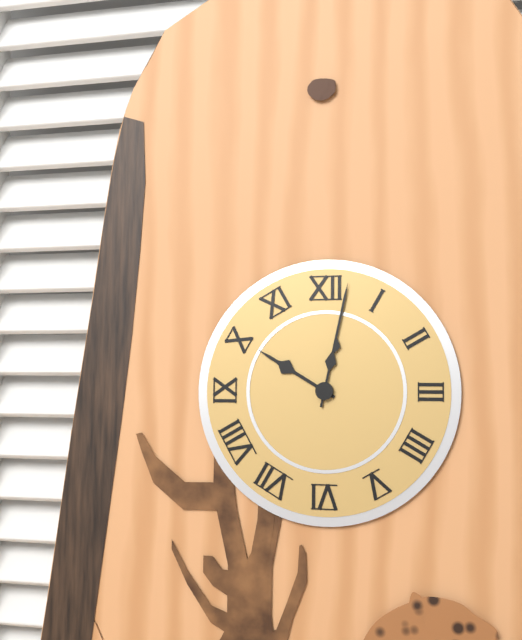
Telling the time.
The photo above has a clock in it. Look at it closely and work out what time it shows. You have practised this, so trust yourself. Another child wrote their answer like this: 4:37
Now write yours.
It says 10:02
